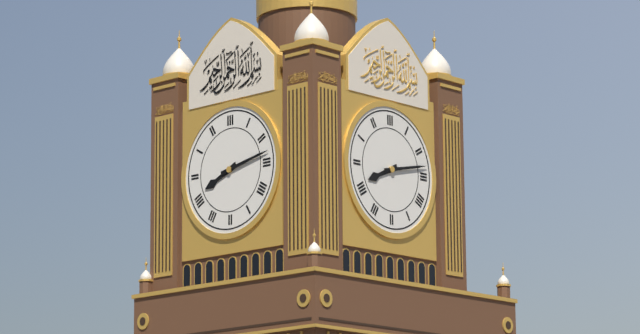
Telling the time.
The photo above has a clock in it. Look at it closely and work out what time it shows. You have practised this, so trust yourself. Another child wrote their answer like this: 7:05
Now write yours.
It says 8:13
